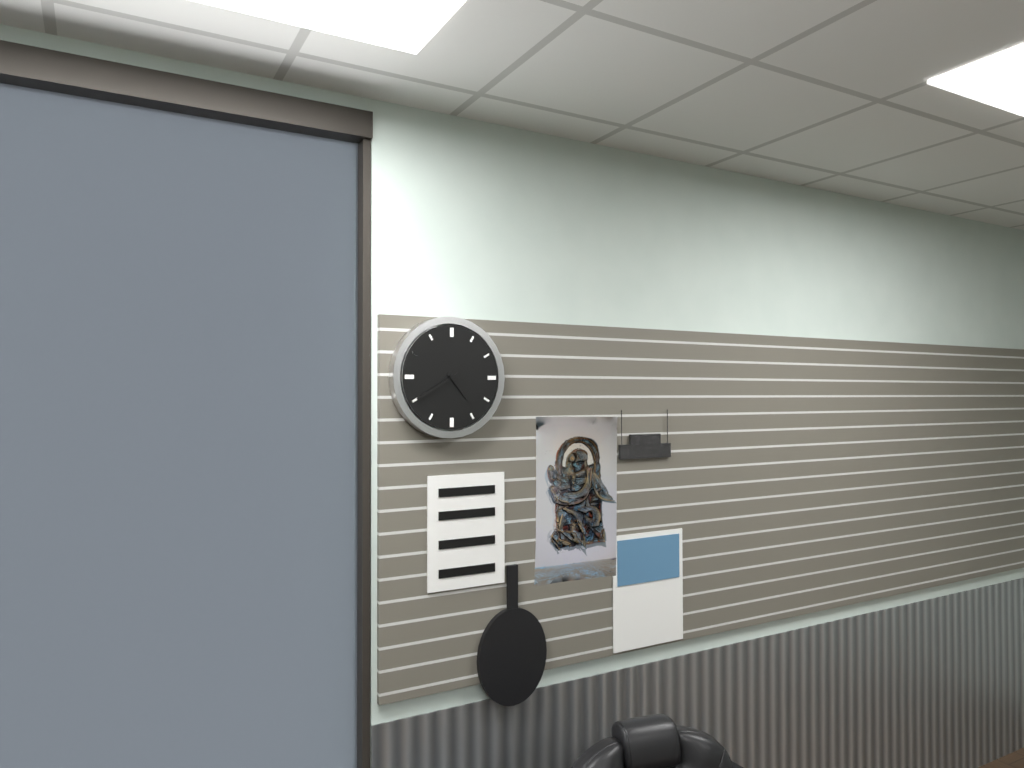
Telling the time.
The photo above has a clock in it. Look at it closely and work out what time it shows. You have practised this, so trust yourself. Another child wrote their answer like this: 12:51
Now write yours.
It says 4:40
